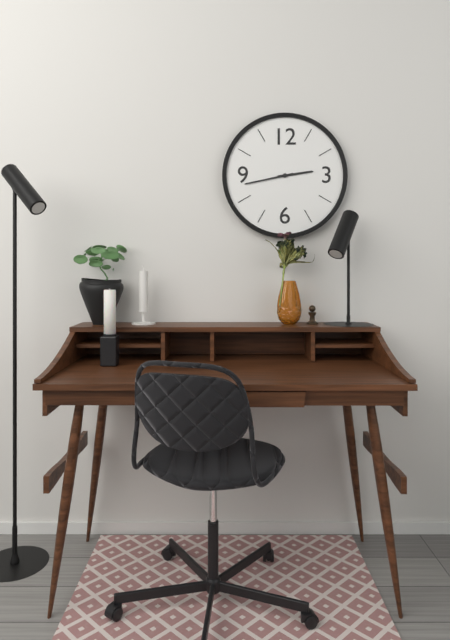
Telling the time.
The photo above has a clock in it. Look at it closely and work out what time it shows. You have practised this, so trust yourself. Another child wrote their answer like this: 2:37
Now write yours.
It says 2:43
